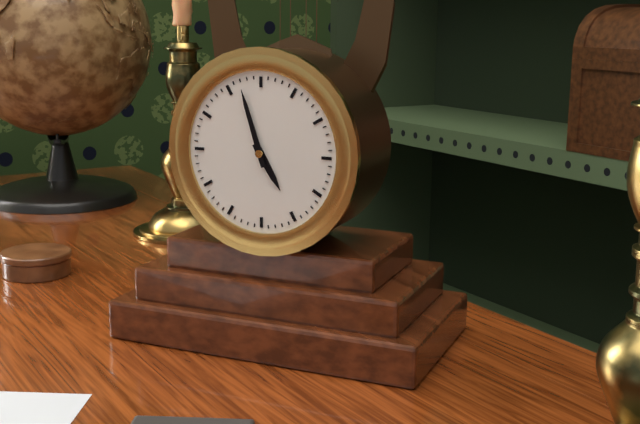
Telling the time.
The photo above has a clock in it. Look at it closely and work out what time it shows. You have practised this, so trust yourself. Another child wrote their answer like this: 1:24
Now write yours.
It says 4:57
